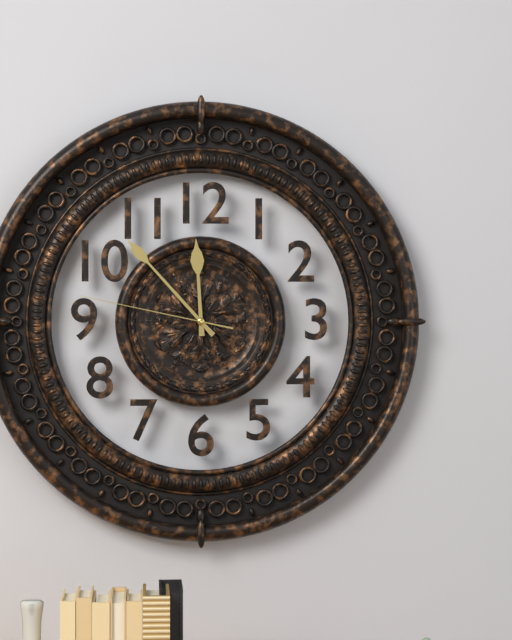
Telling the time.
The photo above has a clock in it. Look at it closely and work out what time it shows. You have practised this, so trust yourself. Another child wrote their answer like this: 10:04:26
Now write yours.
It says 11:53:47
